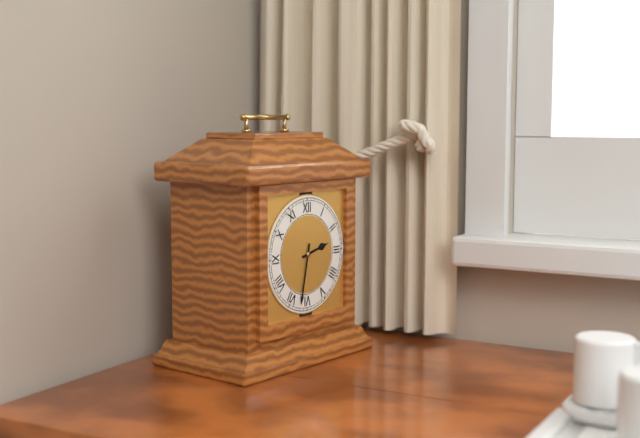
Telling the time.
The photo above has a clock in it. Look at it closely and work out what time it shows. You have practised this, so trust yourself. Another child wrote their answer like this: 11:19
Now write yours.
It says 2:32
